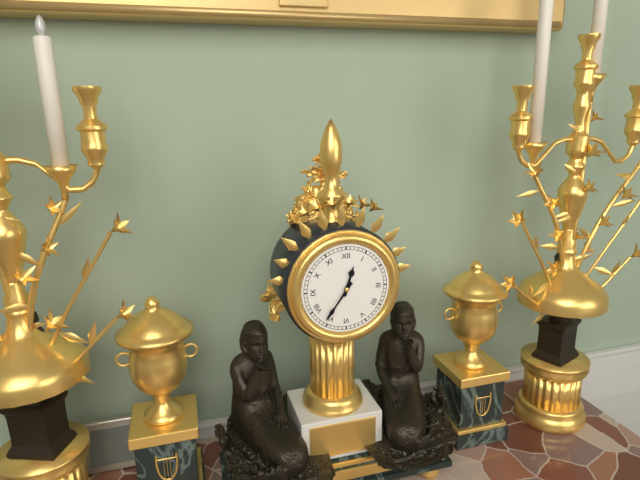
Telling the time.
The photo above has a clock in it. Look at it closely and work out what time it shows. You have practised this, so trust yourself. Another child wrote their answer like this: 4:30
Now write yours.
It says 12:36
